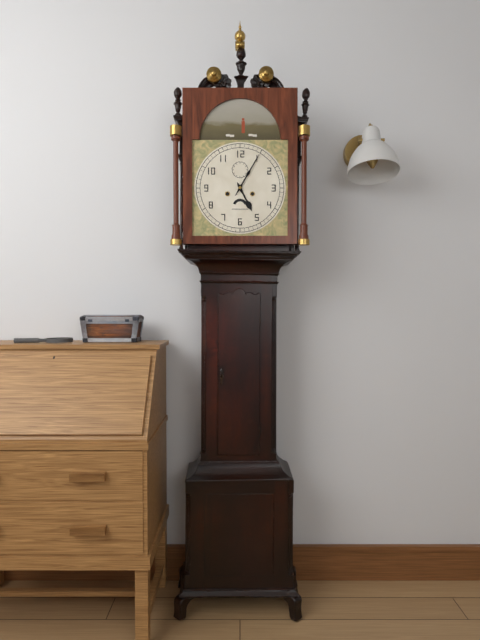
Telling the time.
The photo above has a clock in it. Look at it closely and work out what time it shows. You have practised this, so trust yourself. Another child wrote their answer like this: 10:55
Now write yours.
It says 5:05
